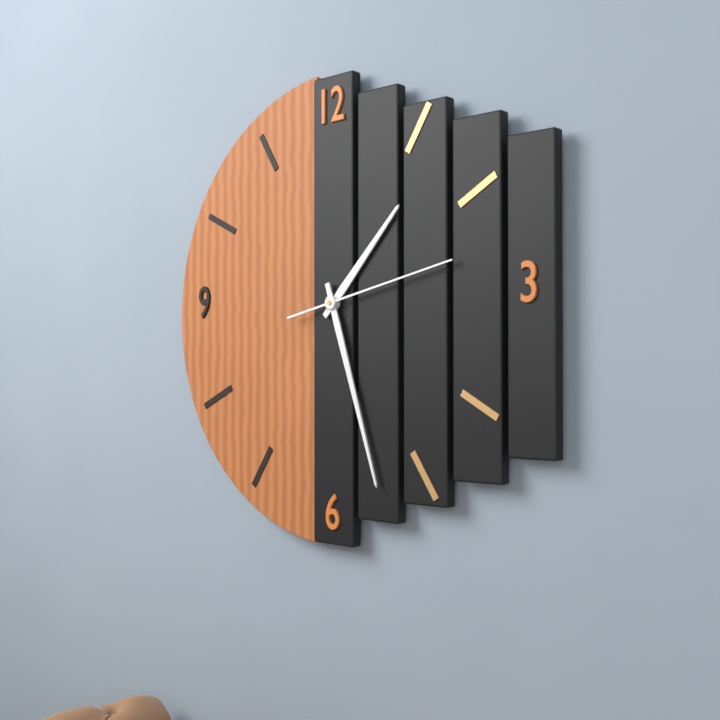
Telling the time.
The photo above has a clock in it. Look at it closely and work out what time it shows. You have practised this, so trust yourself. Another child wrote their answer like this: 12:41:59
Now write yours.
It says 1:27:13
